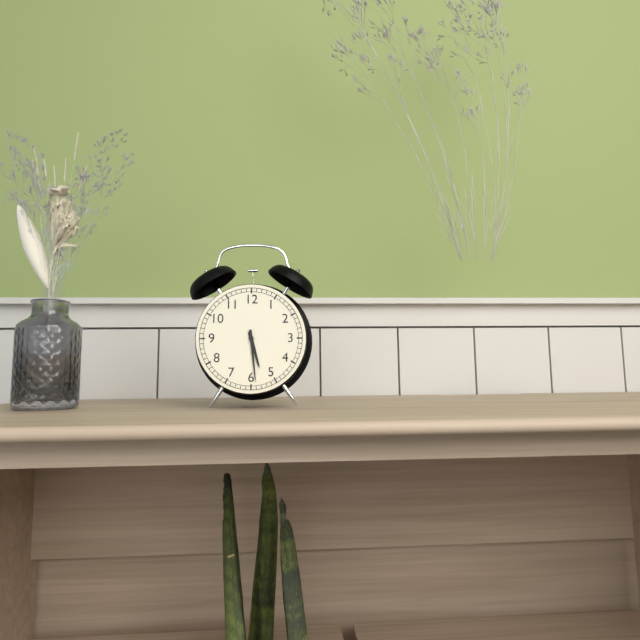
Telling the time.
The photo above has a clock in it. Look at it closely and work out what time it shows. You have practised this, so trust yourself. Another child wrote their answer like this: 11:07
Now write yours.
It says 5:29
